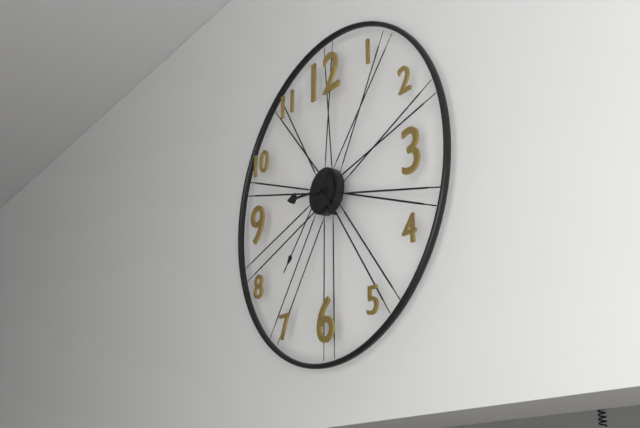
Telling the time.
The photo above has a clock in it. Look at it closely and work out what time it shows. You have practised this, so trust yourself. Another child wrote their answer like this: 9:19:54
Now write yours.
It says 4:46:37
